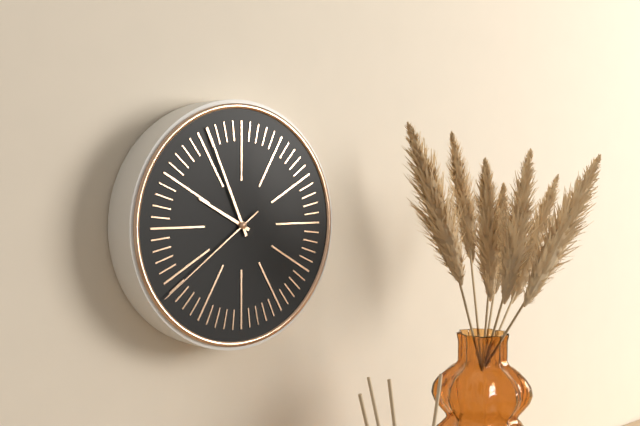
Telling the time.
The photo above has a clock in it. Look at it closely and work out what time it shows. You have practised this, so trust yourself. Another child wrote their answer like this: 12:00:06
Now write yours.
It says 9:56:39
